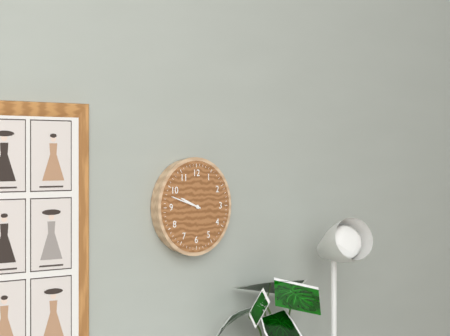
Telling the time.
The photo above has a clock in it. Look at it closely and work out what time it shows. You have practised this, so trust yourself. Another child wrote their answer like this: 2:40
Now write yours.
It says 9:48
